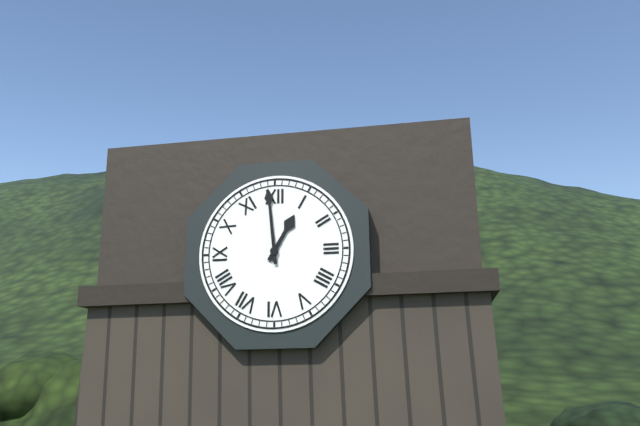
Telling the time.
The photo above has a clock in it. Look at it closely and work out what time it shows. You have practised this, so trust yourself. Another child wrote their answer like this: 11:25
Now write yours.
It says 12:59
